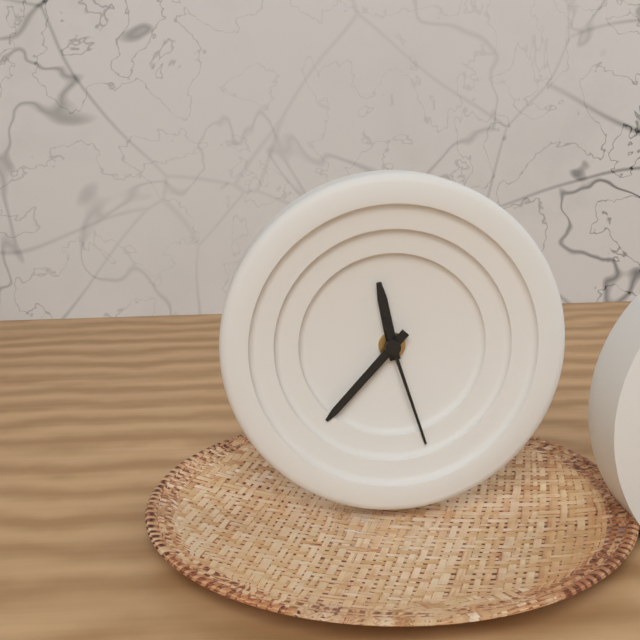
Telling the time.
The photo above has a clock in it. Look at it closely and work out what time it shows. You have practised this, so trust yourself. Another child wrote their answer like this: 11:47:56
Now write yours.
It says 11:37:27
